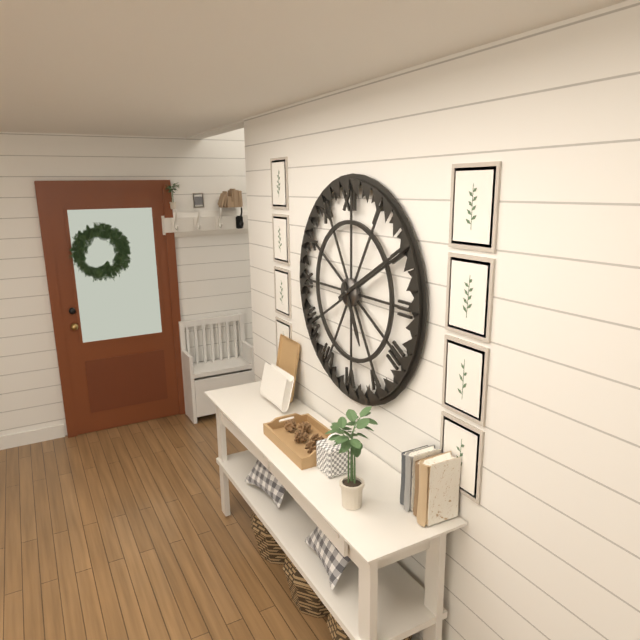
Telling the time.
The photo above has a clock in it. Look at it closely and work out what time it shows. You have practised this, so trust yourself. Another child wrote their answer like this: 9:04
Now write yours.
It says 5:10
